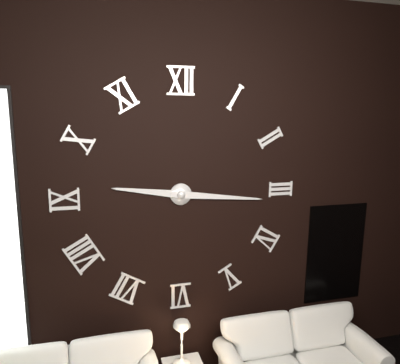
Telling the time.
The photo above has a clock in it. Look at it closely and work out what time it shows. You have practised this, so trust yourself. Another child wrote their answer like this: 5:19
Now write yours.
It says 9:16
